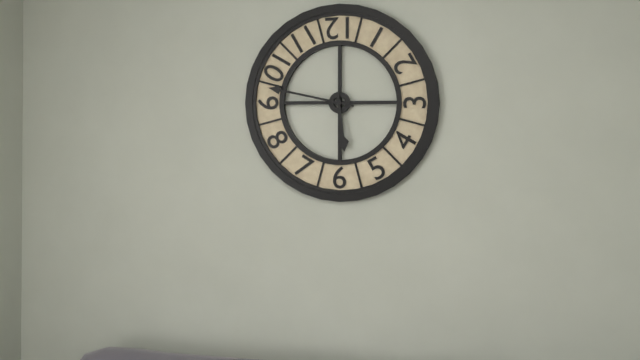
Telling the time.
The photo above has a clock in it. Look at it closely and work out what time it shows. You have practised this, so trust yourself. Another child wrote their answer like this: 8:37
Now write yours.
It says 5:47
